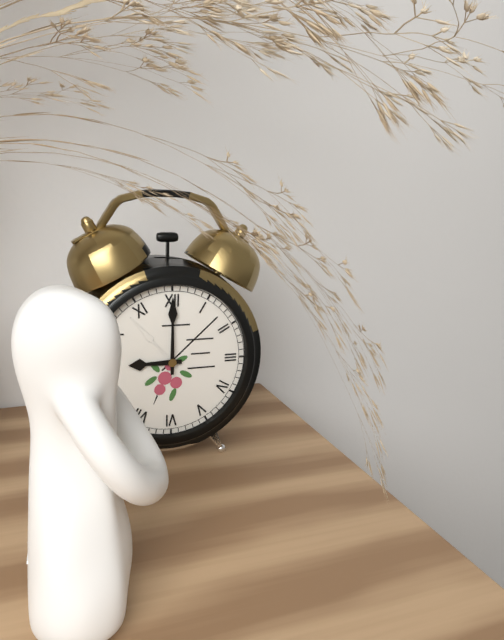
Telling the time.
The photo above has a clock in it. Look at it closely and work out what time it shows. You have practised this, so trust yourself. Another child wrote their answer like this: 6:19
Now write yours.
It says 9:00
